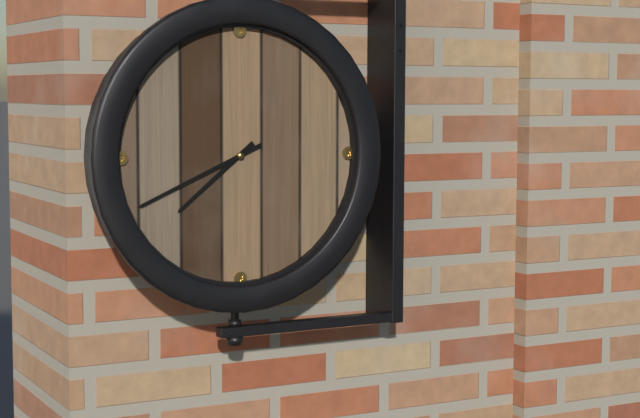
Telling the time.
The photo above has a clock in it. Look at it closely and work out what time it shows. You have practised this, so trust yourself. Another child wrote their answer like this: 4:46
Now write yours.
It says 7:41
